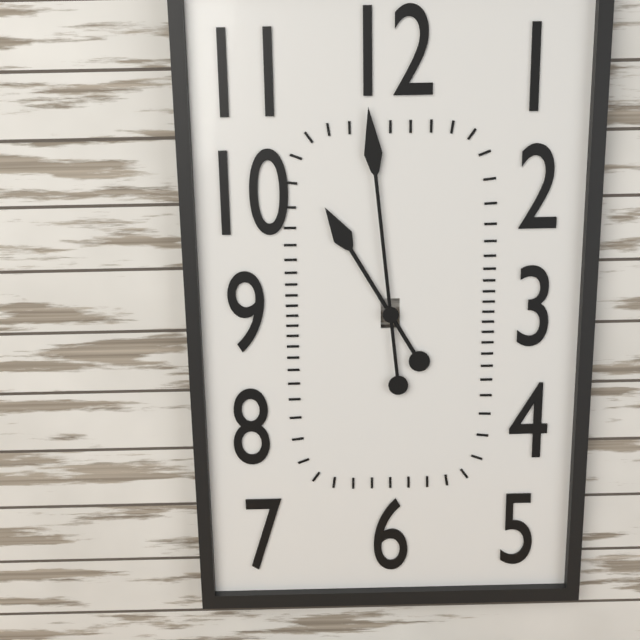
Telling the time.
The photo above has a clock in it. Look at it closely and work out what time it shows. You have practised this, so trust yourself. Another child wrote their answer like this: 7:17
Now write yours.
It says 10:59
